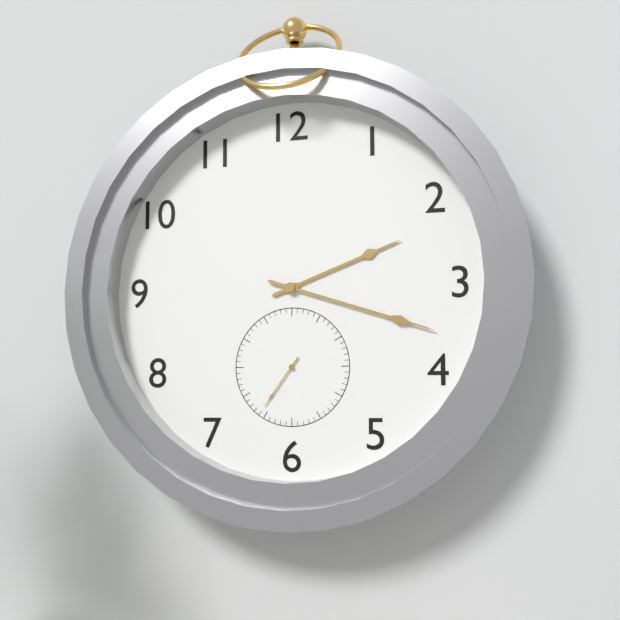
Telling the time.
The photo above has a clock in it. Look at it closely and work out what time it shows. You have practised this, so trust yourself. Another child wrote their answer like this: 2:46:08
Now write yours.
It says 2:18:36
